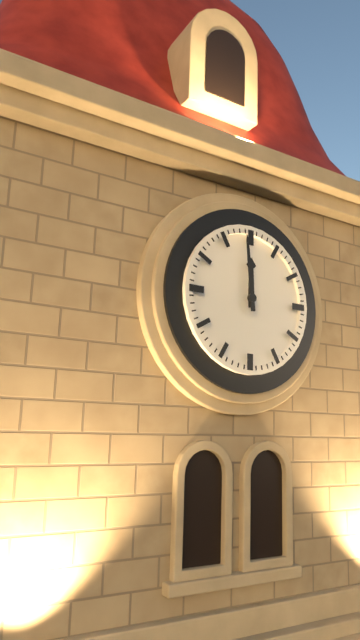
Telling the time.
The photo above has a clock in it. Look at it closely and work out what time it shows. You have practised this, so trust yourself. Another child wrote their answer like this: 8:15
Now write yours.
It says 11:59
